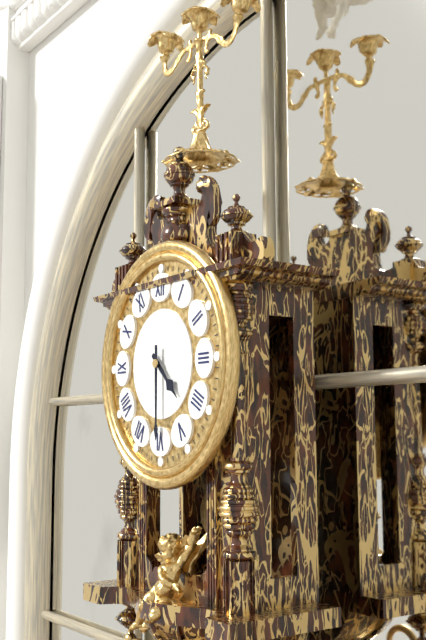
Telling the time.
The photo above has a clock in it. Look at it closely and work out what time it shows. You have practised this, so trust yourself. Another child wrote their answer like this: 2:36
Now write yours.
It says 4:30
